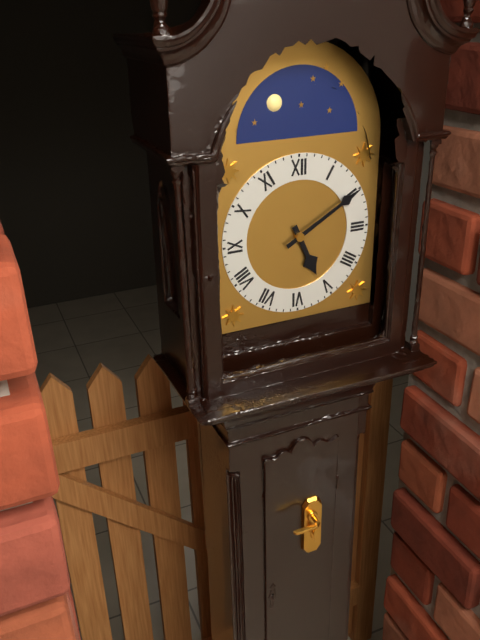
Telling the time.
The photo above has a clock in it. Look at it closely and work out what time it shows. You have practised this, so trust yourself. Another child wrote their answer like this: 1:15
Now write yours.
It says 5:10
